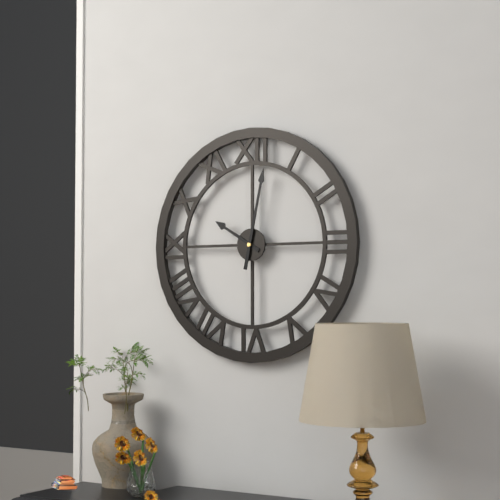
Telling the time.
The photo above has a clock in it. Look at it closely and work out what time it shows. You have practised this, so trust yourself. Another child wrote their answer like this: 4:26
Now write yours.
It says 10:02
